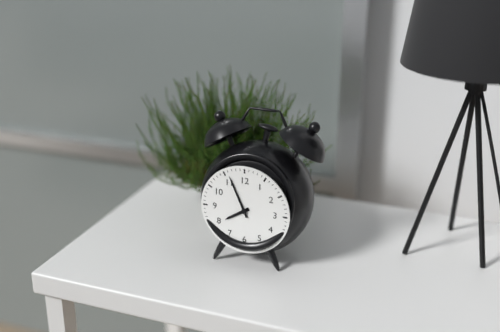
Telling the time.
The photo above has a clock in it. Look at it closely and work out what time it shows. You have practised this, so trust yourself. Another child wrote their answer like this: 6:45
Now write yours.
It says 7:56
